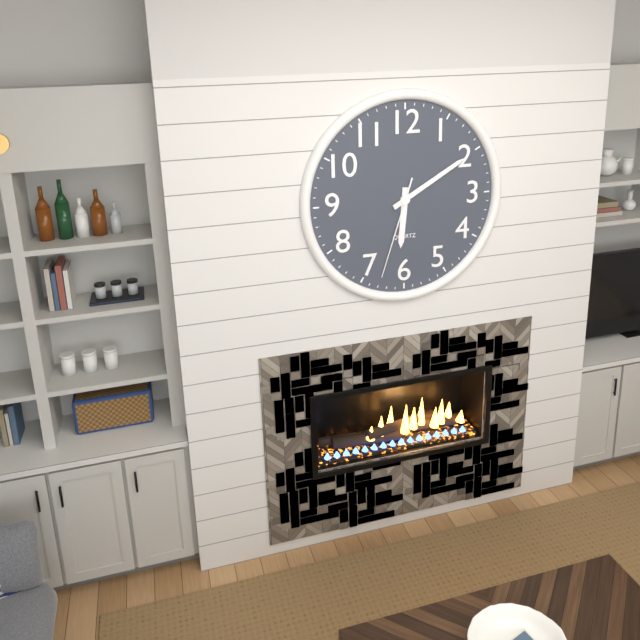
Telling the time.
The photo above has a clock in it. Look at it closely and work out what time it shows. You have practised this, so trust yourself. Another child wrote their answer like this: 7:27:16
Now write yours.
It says 6:10:33
